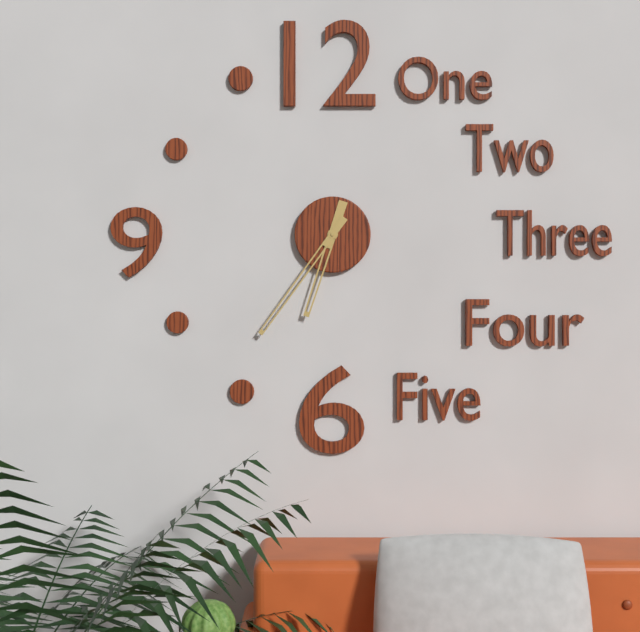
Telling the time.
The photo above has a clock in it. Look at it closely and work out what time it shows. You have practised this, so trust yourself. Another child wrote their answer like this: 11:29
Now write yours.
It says 6:36
